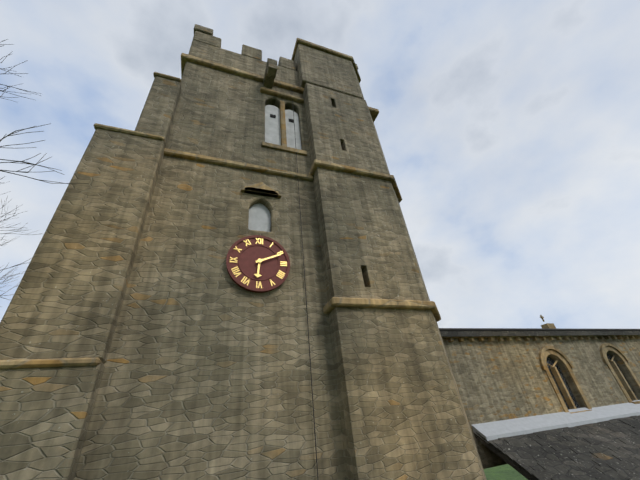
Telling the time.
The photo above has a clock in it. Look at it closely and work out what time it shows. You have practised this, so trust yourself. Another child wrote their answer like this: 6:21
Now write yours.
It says 6:11
